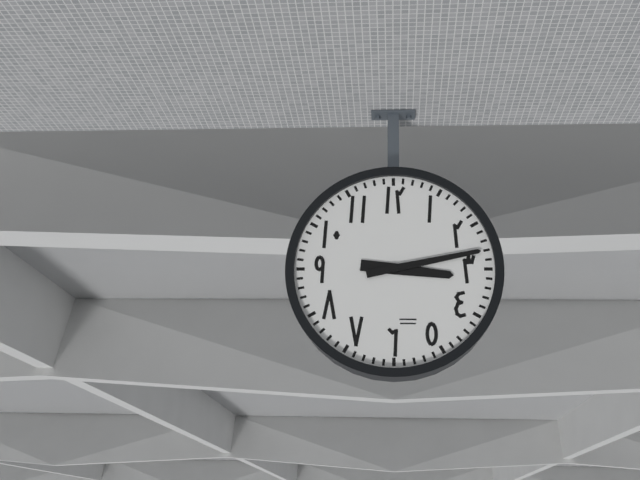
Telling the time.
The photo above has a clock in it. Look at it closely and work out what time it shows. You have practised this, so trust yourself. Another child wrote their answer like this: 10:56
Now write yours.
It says 3:13
